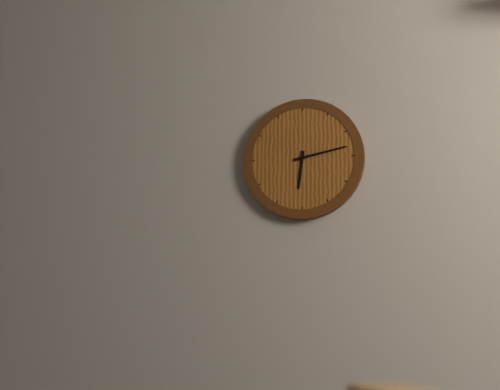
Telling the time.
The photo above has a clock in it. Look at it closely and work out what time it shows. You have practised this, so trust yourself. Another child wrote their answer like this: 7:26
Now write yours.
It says 6:13
